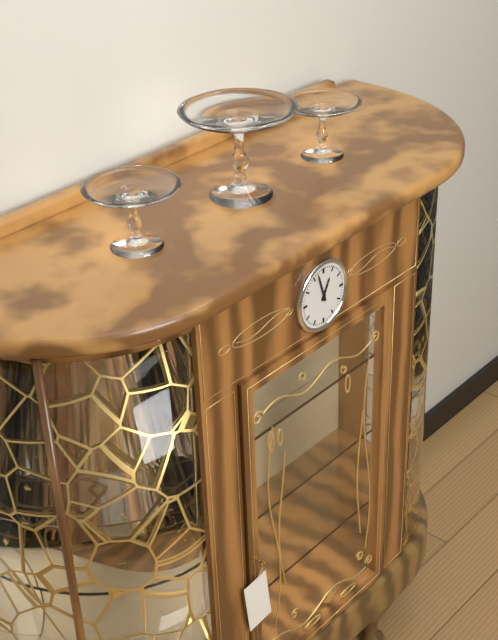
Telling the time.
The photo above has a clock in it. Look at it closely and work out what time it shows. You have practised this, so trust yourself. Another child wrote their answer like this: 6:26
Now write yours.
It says 12:57
